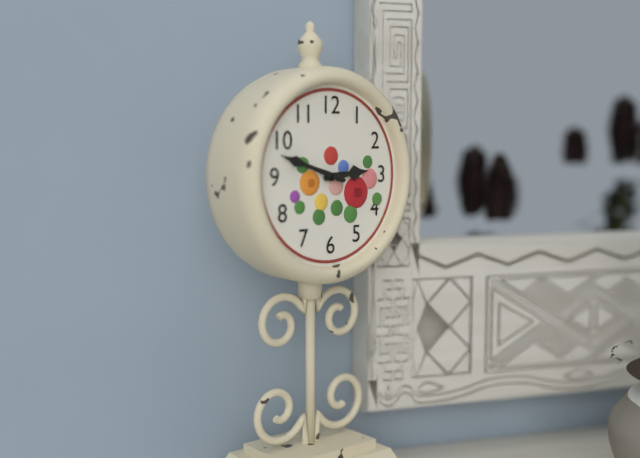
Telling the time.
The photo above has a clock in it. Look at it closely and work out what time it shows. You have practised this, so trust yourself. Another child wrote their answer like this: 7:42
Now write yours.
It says 2:48
